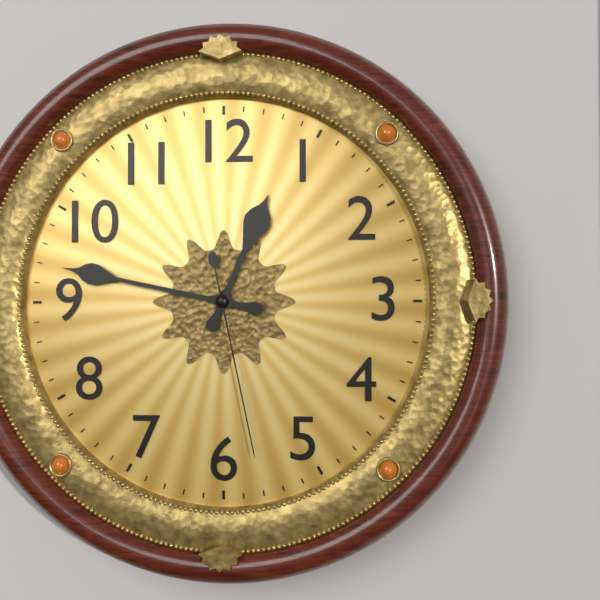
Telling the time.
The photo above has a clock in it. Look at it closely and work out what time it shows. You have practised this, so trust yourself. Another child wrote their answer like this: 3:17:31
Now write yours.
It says 12:47:28
